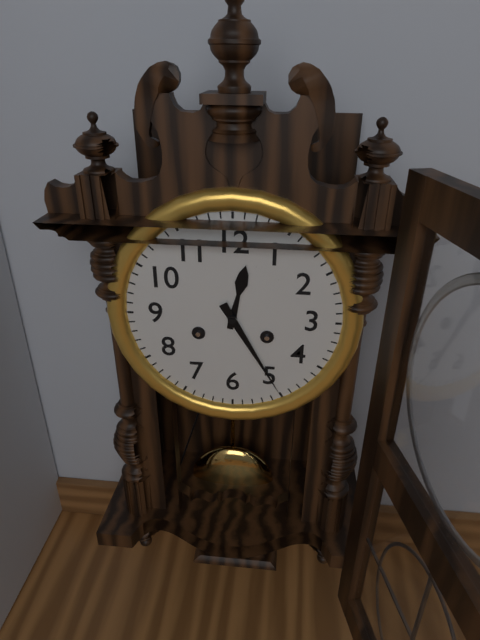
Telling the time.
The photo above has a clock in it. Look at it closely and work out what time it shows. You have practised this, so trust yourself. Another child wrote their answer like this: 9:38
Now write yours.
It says 12:25
